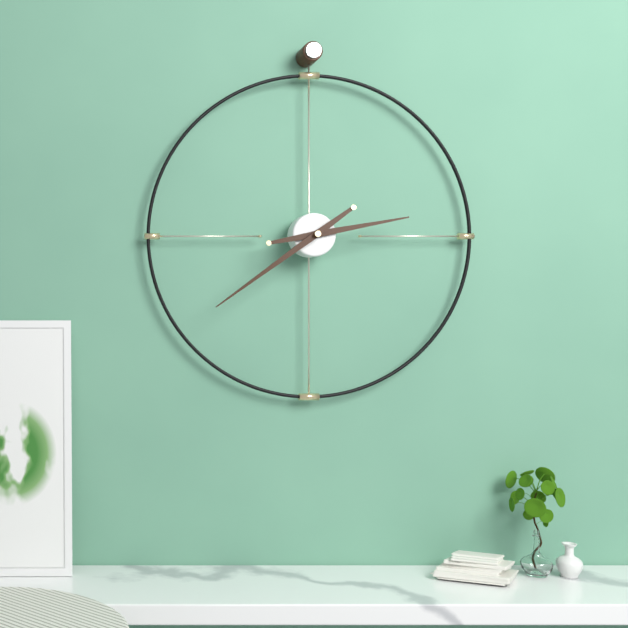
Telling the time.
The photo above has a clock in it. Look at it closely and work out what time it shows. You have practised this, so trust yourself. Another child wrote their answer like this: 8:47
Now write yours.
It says 2:39
